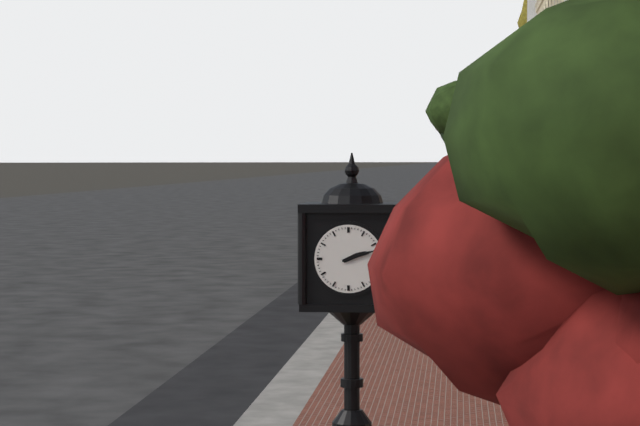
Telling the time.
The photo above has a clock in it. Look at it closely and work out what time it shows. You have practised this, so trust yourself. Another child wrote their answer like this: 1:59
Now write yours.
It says 2:12
